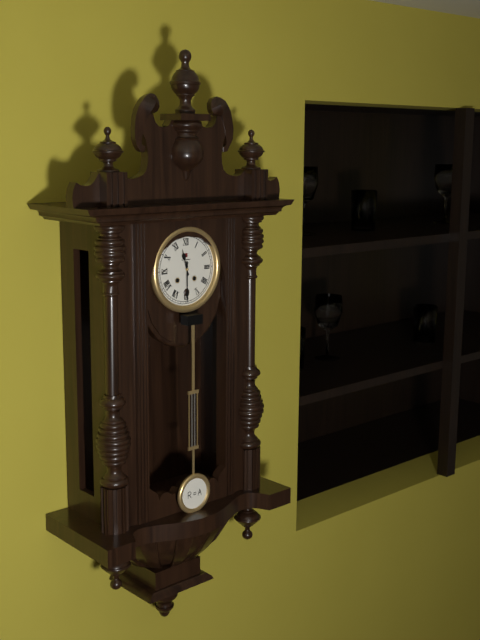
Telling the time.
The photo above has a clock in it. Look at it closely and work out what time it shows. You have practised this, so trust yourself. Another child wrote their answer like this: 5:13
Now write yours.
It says 11:30
